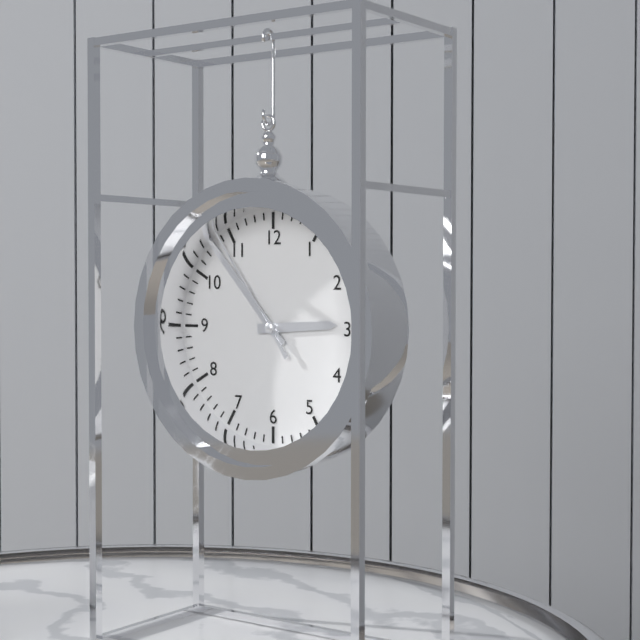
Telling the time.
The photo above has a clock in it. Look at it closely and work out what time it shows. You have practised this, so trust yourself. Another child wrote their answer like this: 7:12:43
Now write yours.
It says 2:53:54
